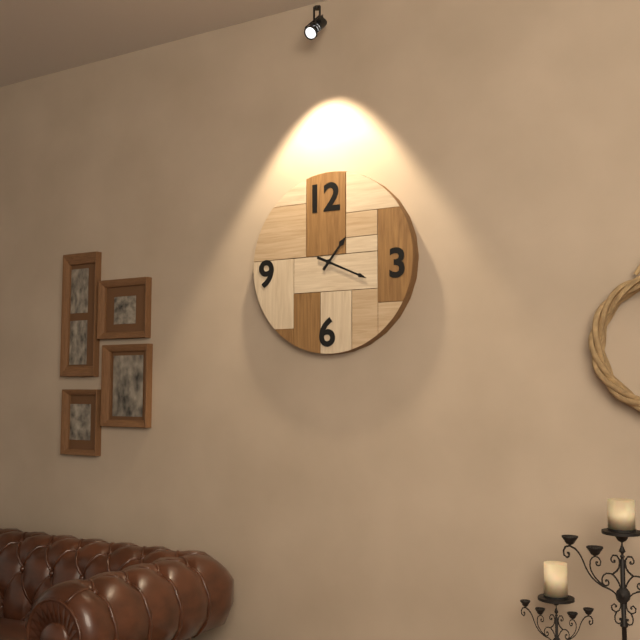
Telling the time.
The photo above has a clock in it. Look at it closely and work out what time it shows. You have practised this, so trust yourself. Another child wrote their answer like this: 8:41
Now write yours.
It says 1:19
